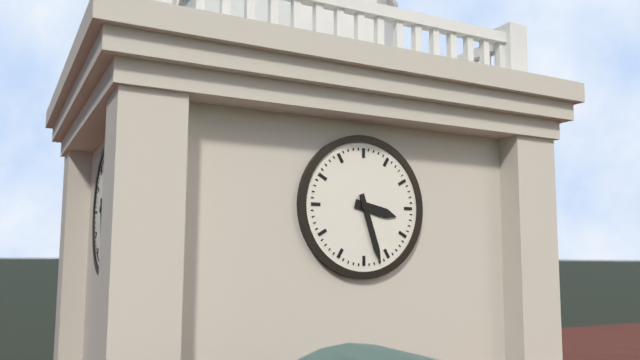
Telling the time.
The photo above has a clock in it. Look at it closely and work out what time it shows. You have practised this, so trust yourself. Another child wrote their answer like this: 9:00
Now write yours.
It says 3:27
